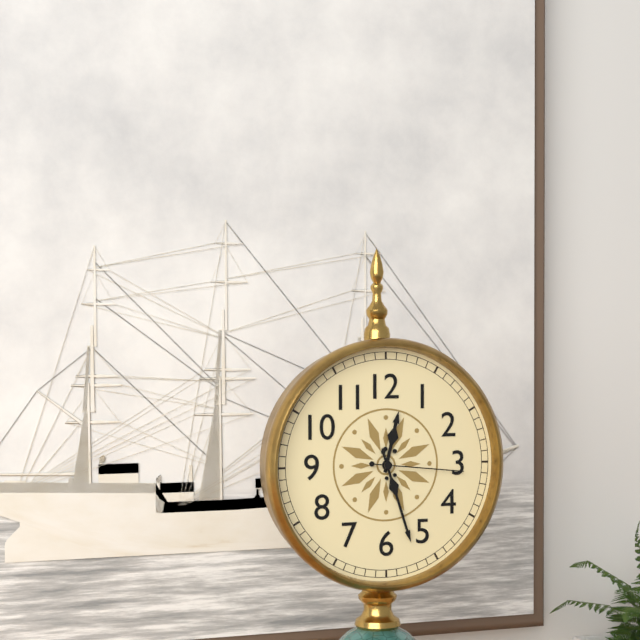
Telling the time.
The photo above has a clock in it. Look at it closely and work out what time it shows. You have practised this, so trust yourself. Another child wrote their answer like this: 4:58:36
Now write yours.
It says 12:27:16
